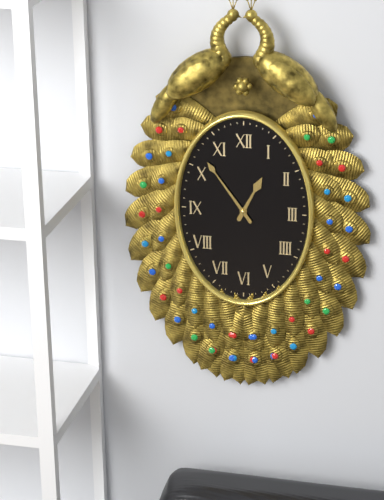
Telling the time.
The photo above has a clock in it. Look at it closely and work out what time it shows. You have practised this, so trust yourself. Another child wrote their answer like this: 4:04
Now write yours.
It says 12:54
